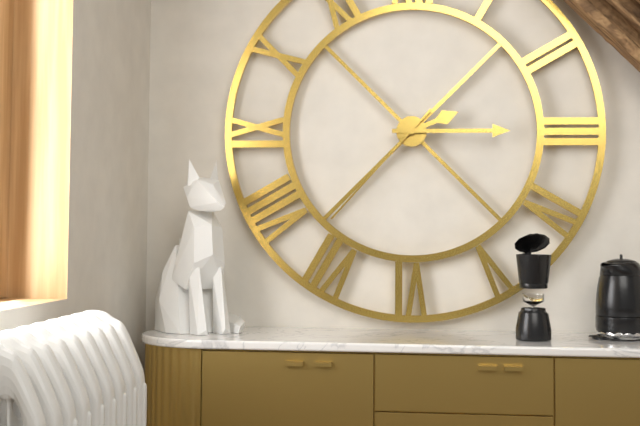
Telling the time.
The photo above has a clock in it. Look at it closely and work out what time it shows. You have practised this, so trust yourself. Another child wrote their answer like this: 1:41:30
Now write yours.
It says 2:15:37
